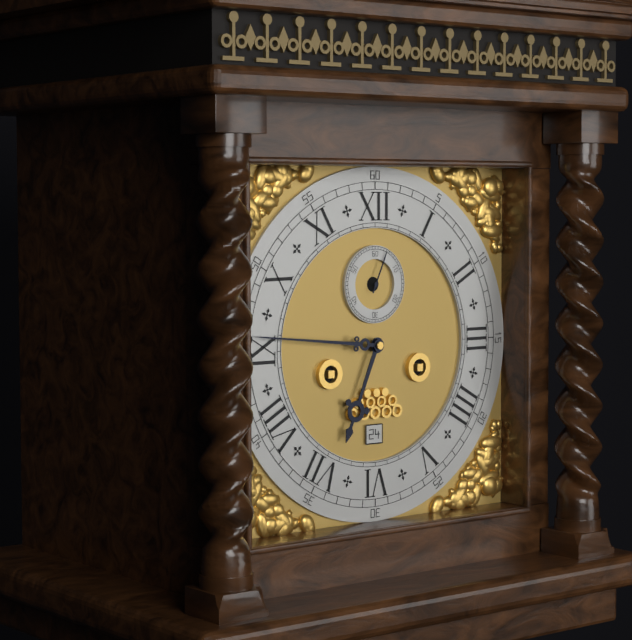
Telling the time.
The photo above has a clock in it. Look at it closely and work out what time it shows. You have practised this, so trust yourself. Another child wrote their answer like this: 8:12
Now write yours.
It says 6:46
